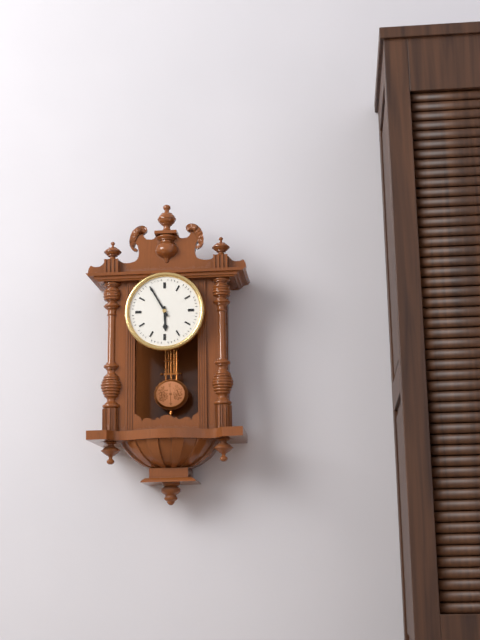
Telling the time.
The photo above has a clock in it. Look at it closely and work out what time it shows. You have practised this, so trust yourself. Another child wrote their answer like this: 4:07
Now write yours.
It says 5:55
